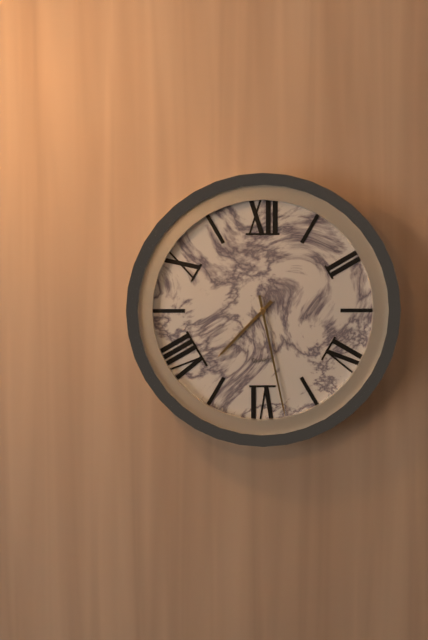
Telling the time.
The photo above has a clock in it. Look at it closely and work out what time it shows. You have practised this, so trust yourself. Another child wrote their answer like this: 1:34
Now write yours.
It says 7:28
